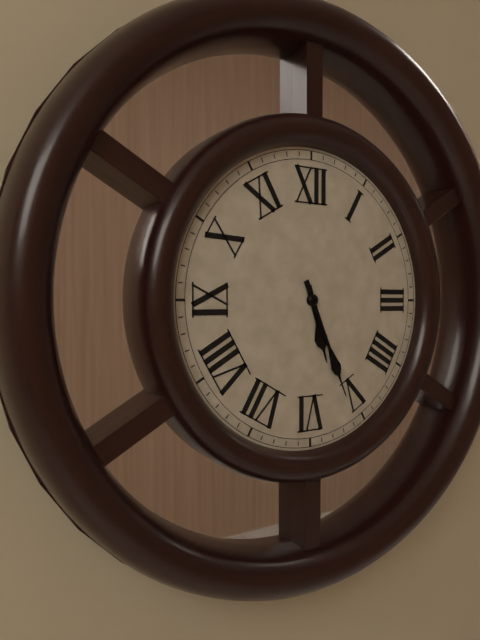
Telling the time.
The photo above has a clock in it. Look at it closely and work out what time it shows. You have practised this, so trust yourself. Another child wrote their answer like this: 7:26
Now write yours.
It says 5:26
